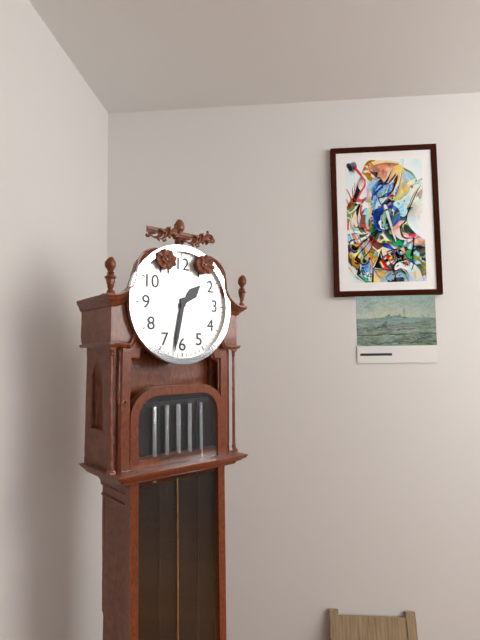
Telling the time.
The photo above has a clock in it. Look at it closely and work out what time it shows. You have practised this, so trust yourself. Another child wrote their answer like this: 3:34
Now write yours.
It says 1:32
